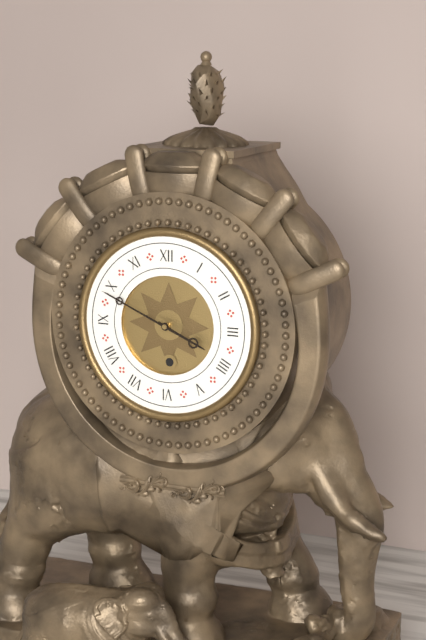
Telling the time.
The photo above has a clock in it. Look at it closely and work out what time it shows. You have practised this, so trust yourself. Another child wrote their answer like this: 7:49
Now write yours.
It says 3:49
